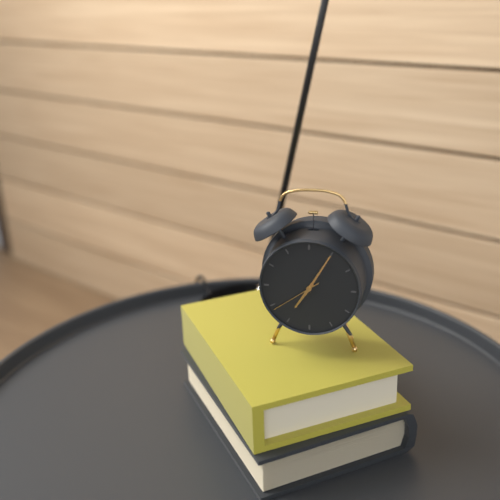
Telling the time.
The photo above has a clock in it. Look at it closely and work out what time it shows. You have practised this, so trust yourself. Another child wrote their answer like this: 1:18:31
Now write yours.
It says 7:05:39
